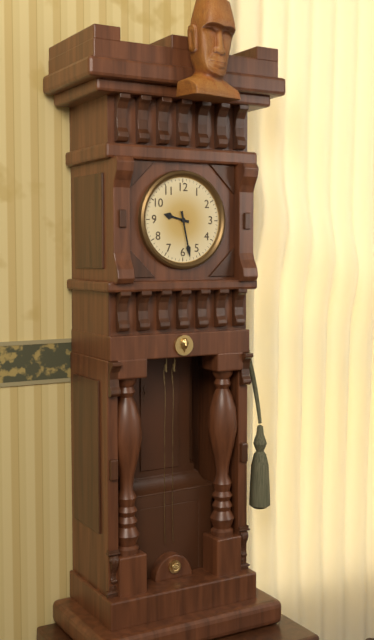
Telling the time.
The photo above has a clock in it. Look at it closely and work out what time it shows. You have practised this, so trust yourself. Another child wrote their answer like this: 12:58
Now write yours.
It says 9:28
